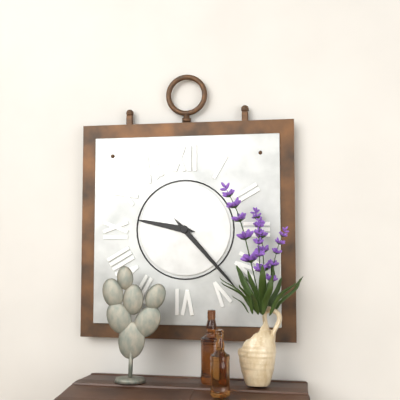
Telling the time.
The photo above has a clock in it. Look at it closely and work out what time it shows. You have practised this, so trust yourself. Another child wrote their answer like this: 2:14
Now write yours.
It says 9:23
